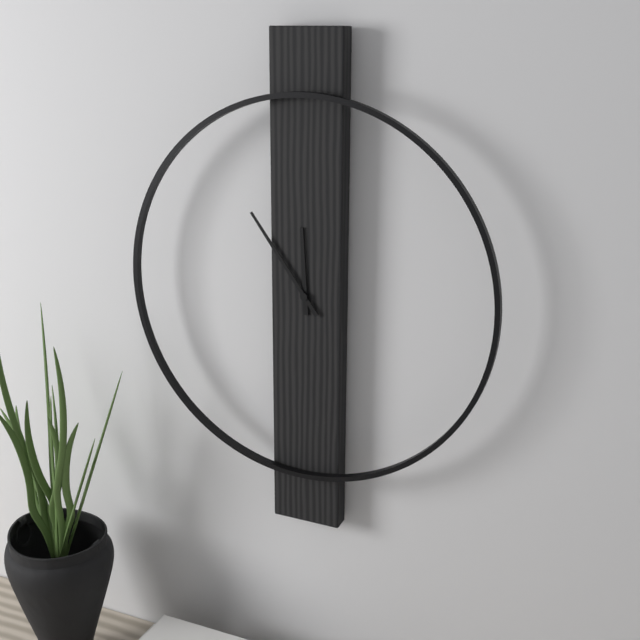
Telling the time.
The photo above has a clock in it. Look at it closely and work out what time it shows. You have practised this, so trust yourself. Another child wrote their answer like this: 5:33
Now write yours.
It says 11:54
